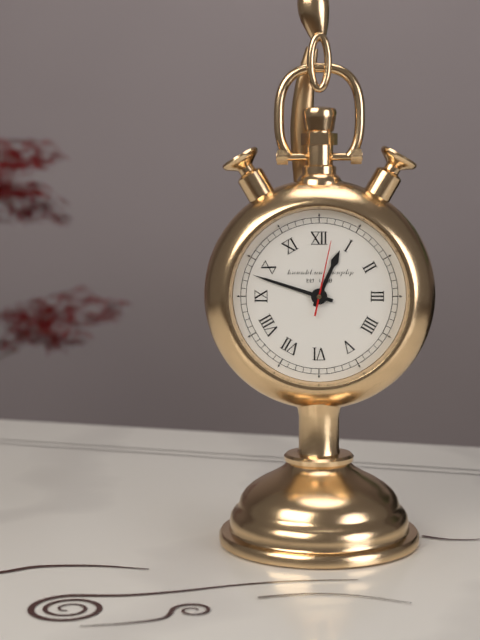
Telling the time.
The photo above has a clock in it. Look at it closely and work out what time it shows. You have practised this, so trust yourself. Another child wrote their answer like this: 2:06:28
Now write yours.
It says 12:48:02
